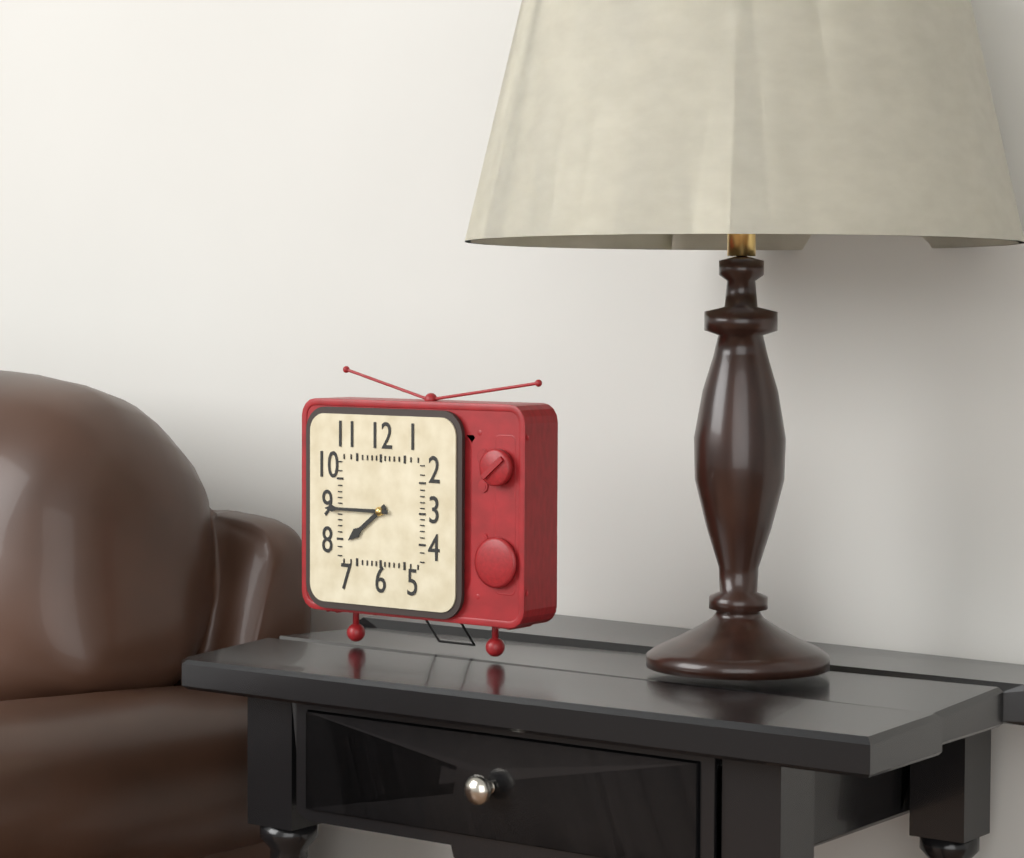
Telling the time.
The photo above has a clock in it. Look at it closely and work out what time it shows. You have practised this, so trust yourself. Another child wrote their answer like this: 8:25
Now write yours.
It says 7:45
